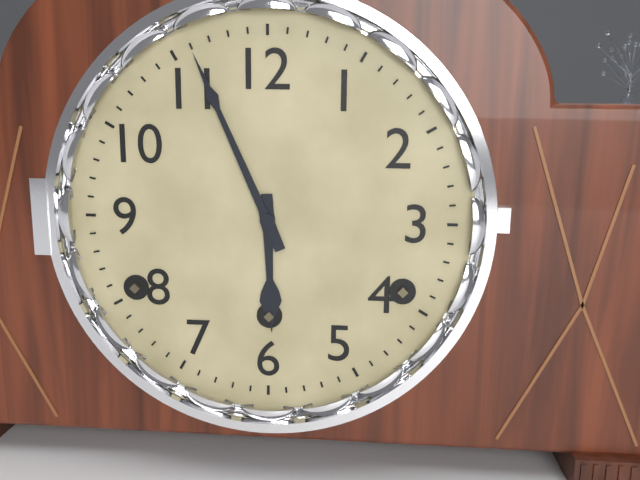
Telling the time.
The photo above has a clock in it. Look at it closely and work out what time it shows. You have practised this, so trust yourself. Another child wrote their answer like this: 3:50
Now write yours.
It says 5:56
